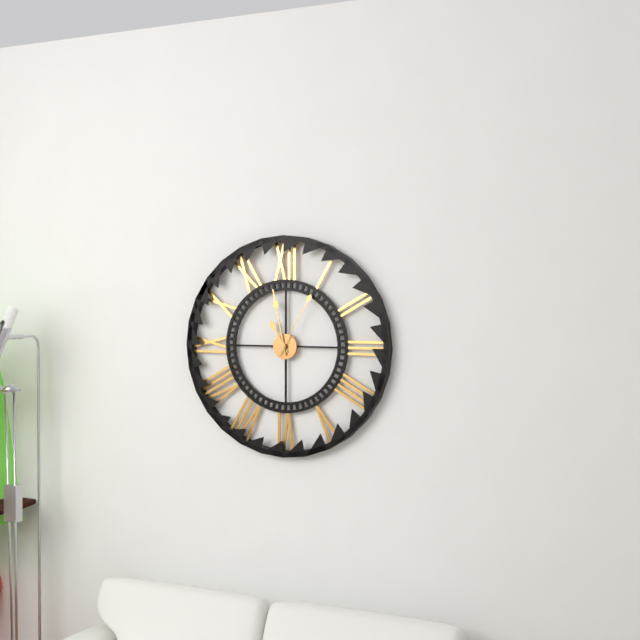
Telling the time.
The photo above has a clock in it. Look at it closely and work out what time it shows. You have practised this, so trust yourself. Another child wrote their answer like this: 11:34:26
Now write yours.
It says 10:58:05
